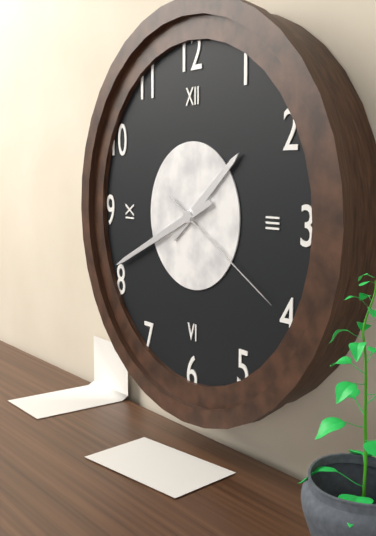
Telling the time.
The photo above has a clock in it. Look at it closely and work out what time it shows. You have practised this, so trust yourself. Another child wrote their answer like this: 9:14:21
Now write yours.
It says 1:41:20
